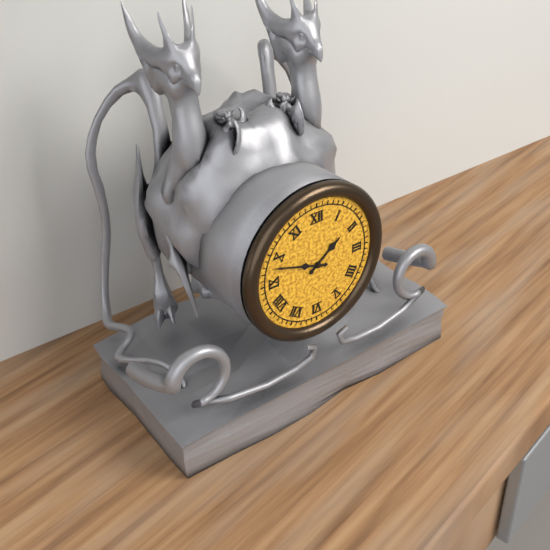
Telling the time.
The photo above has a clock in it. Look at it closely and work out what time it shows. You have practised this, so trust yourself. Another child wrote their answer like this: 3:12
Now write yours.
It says 1:48
